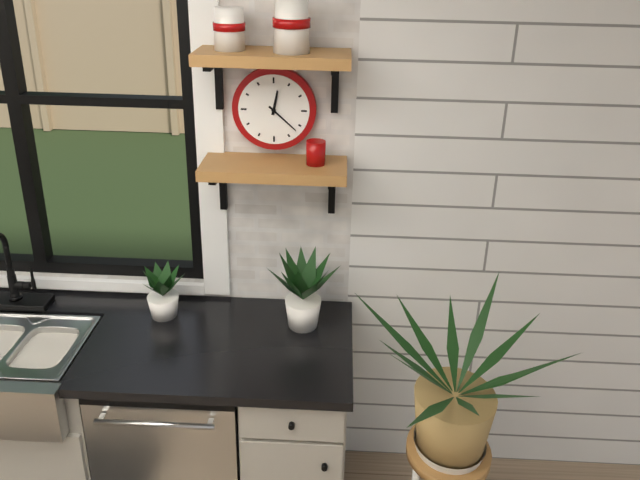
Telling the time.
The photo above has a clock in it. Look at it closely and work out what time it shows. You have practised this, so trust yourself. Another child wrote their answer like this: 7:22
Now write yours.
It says 12:22
